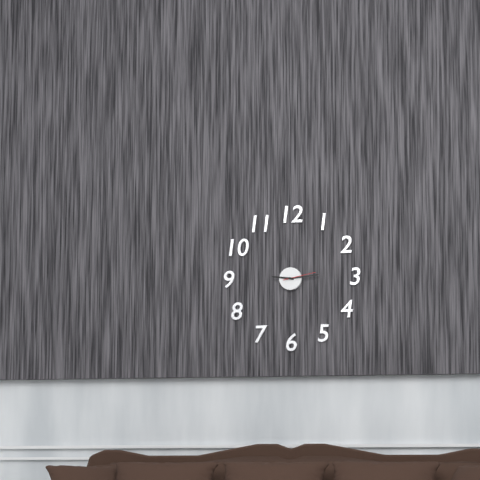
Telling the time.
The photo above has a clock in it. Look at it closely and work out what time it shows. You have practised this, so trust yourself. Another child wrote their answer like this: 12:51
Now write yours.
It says 9:14
